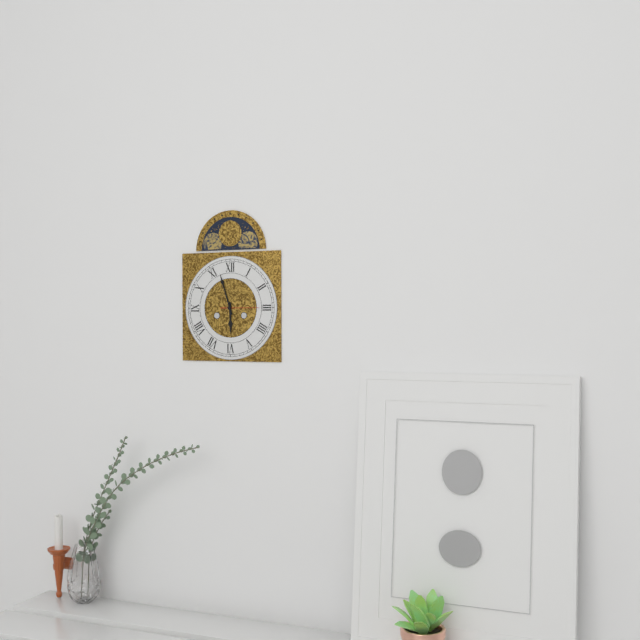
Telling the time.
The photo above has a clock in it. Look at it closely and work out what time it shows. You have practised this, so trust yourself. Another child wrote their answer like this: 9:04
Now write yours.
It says 5:57
